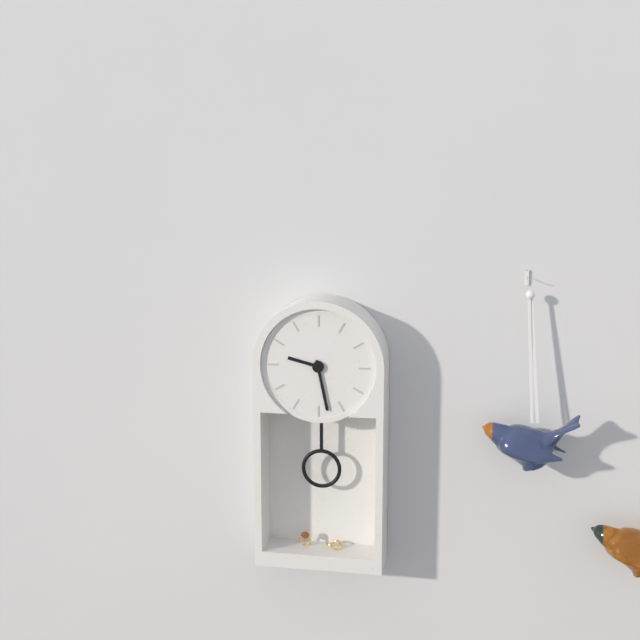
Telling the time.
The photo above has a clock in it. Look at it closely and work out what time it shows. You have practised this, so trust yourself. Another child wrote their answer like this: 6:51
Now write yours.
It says 9:28
